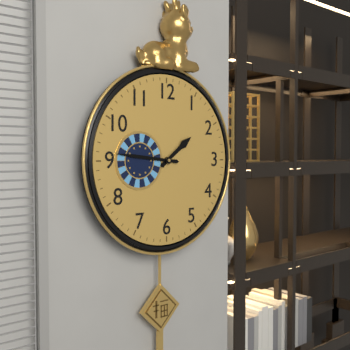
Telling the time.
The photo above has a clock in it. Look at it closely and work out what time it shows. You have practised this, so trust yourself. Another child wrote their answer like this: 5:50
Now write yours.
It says 1:46
